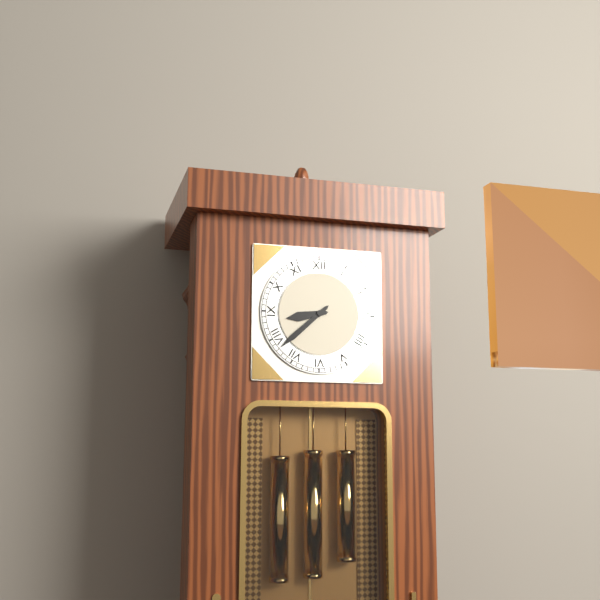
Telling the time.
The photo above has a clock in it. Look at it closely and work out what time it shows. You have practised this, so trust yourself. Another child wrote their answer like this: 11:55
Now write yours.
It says 8:38
